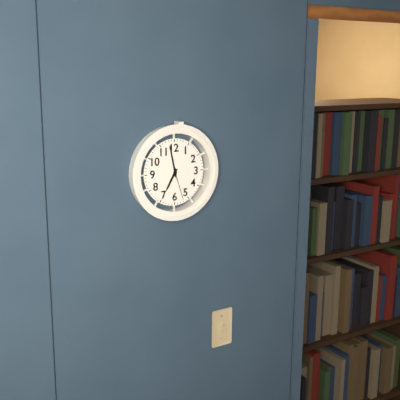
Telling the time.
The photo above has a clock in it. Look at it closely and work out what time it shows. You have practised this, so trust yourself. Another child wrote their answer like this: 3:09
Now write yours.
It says 6:58
